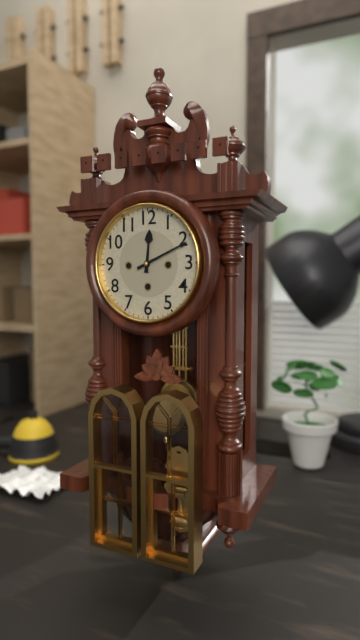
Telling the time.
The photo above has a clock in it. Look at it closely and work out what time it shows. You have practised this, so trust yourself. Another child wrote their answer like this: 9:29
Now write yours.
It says 12:11
